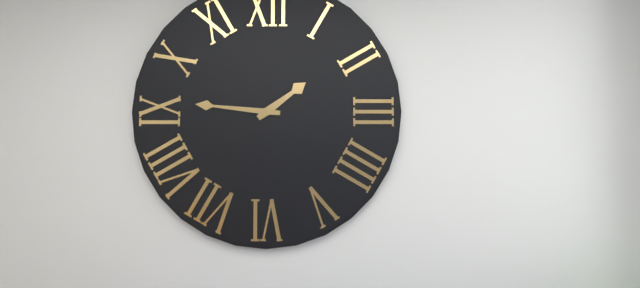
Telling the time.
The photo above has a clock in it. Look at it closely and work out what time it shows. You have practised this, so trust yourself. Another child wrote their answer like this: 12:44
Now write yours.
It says 1:46
